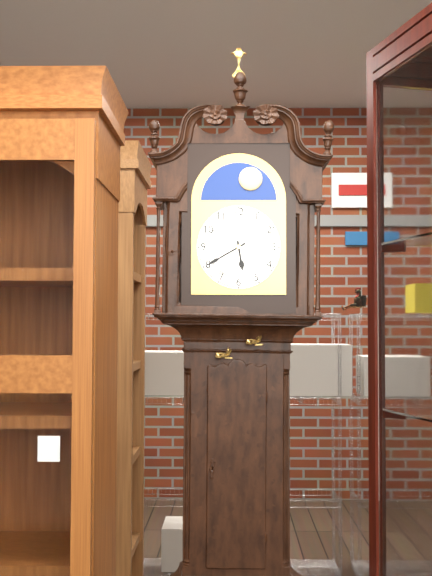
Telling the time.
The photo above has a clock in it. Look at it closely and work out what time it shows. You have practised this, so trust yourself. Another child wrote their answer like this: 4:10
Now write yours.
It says 5:40
